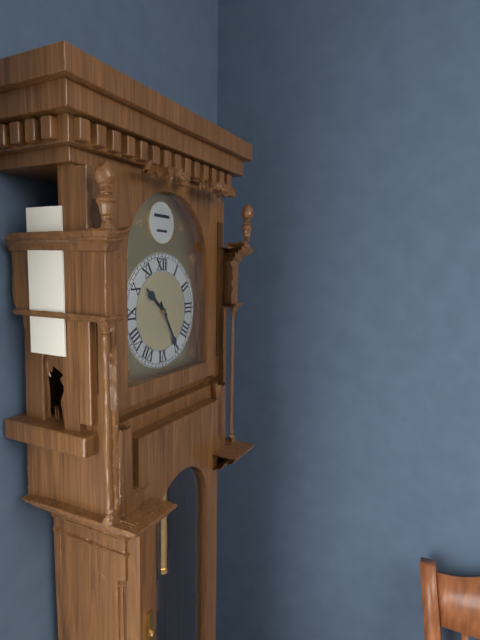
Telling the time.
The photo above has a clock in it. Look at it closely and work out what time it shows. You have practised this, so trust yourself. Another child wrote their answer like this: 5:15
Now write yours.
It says 10:25
